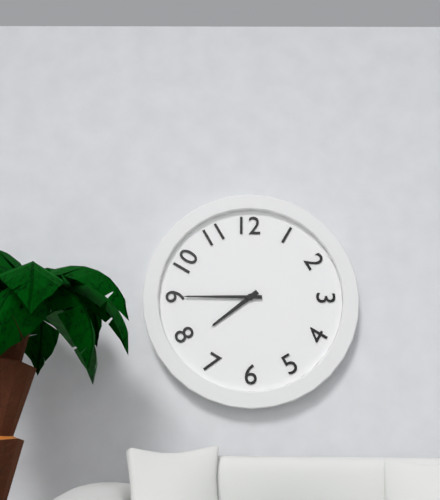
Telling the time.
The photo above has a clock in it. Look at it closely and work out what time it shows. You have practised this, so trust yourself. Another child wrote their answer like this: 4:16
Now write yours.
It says 7:45
